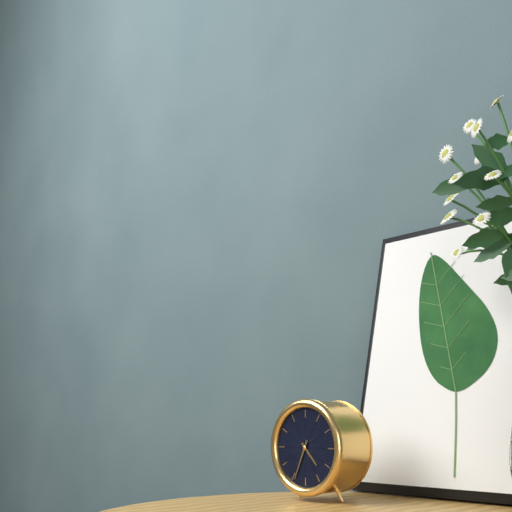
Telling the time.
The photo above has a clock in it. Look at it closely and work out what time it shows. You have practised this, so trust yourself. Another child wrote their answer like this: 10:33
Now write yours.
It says 4:34
